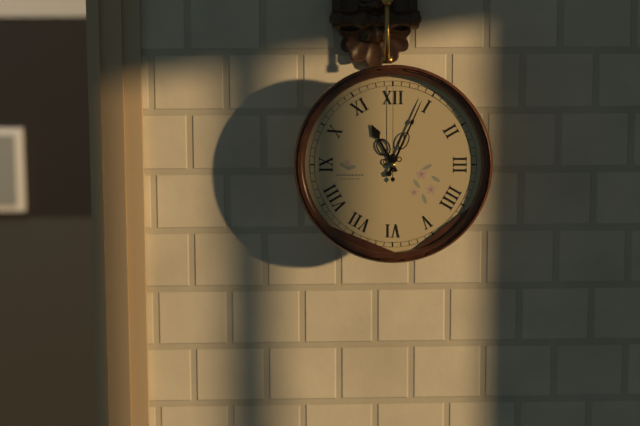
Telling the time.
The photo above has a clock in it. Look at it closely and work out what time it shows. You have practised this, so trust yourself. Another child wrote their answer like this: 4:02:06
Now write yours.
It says 11:04:00
